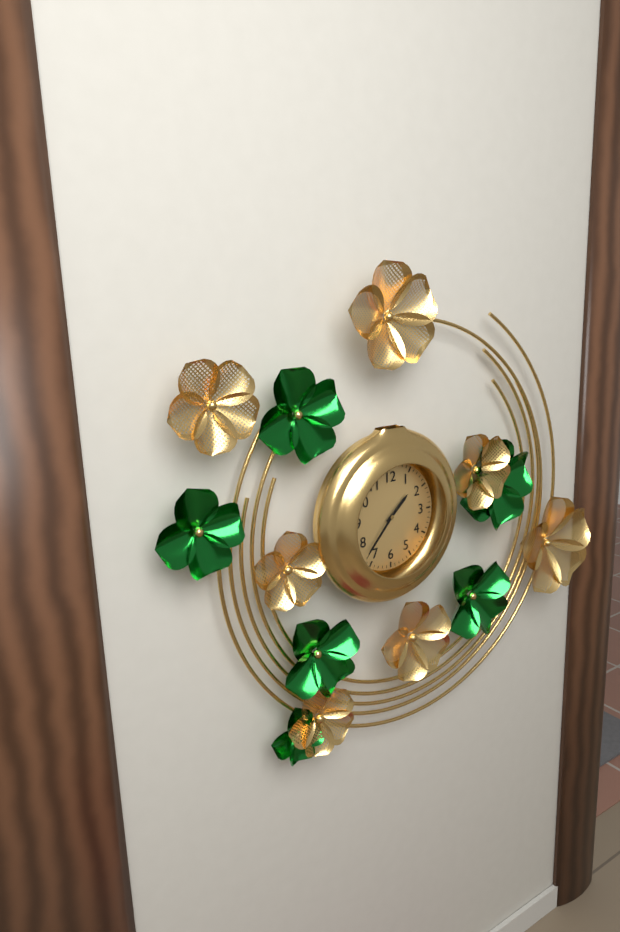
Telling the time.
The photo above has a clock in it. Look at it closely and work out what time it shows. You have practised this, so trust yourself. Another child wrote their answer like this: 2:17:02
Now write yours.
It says 1:37:37
